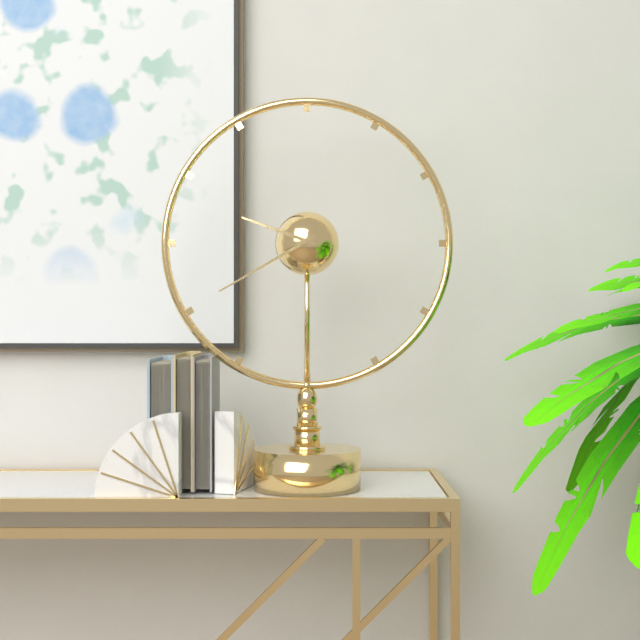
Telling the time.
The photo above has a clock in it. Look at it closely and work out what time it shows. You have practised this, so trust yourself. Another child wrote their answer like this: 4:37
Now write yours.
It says 9:40
